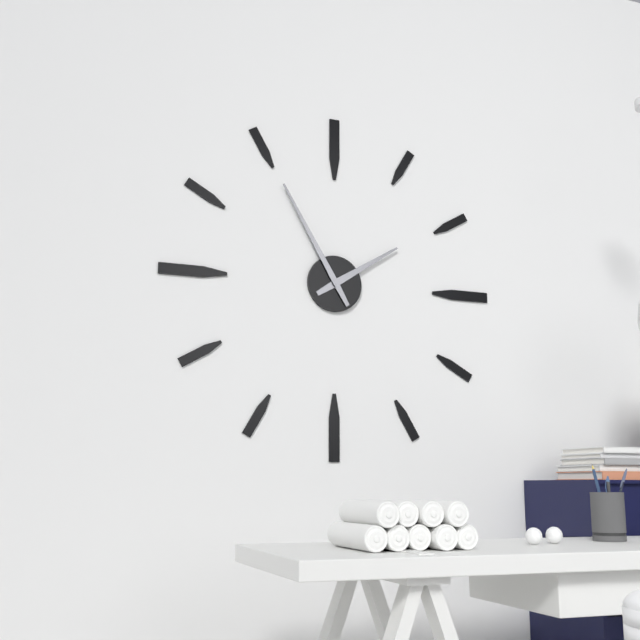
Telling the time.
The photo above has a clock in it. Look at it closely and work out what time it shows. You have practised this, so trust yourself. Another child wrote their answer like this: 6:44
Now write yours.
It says 1:55
